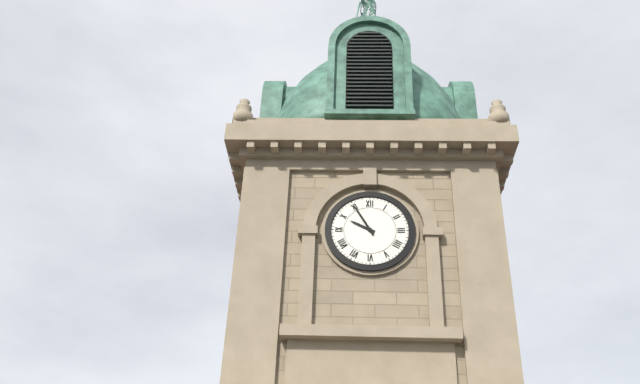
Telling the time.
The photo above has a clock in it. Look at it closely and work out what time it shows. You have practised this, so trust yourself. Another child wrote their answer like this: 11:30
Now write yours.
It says 9:55
